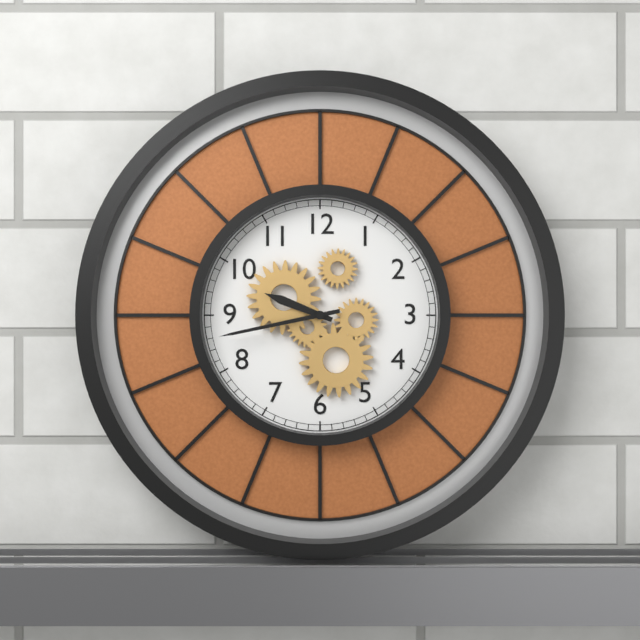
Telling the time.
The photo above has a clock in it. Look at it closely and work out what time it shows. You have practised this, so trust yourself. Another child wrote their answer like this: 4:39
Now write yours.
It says 9:43
